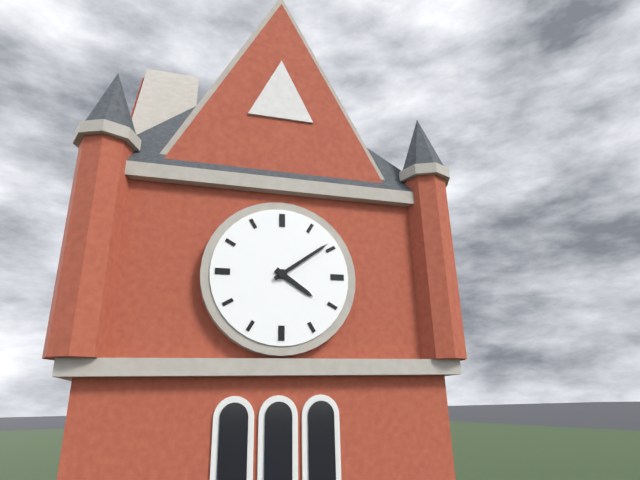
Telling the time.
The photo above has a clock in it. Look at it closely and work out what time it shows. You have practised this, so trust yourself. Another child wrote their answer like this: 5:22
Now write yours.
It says 4:09
